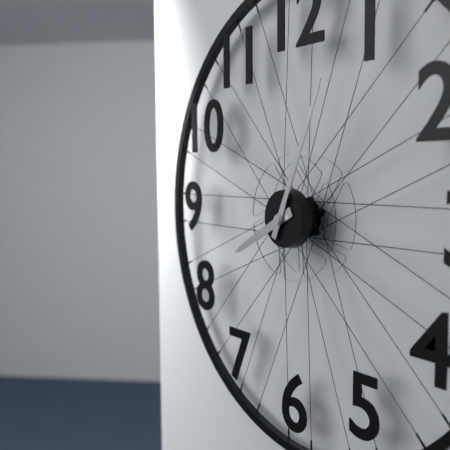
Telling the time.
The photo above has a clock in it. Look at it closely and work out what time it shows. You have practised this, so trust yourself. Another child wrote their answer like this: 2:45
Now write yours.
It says 8:04
